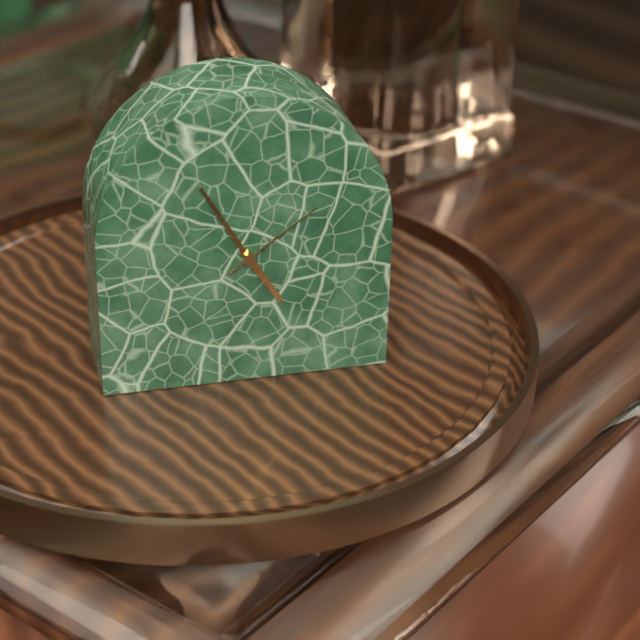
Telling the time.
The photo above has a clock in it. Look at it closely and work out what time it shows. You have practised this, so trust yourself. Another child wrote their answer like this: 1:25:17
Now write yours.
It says 4:55:09
